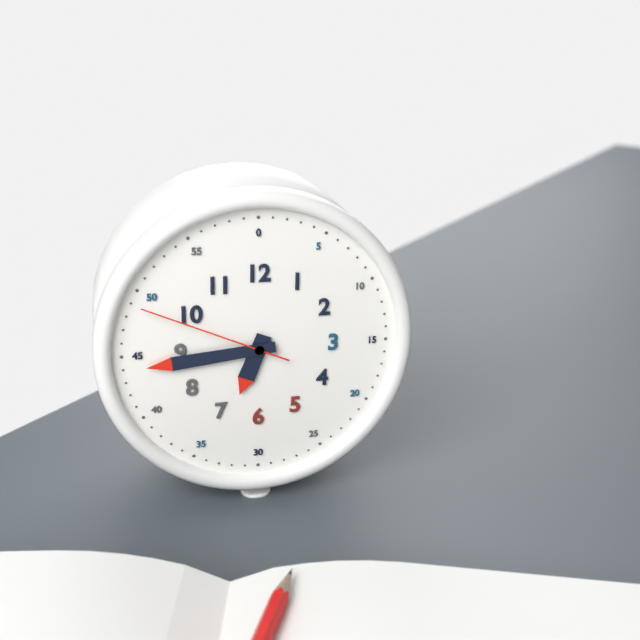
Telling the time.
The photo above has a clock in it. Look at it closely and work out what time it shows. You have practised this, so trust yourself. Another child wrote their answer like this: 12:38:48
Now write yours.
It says 6:44:49
